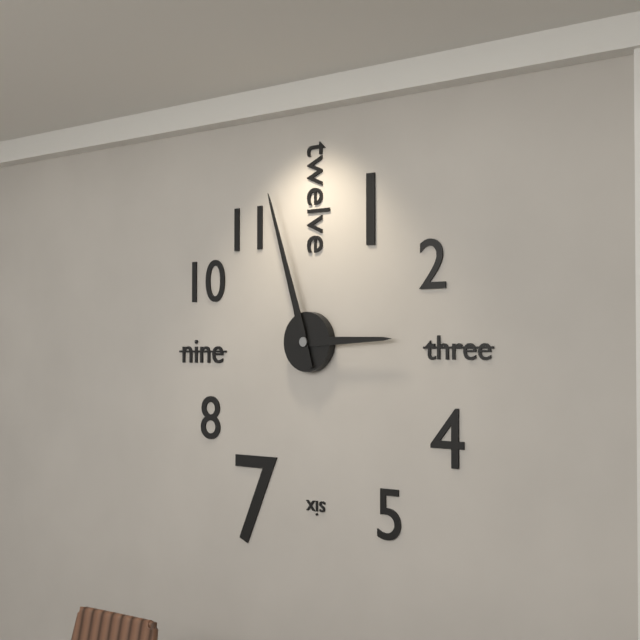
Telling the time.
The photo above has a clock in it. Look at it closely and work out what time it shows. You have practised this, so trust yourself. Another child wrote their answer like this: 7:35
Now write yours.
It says 2:57
